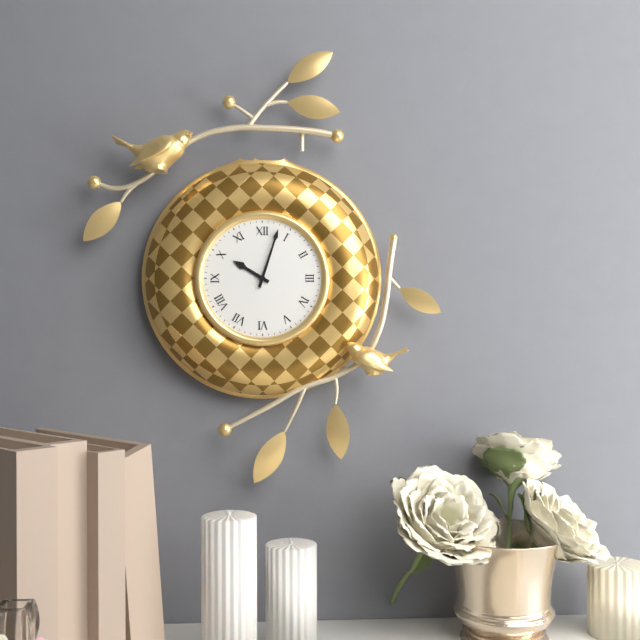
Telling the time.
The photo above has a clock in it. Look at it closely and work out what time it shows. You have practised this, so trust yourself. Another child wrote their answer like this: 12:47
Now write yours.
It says 10:03
